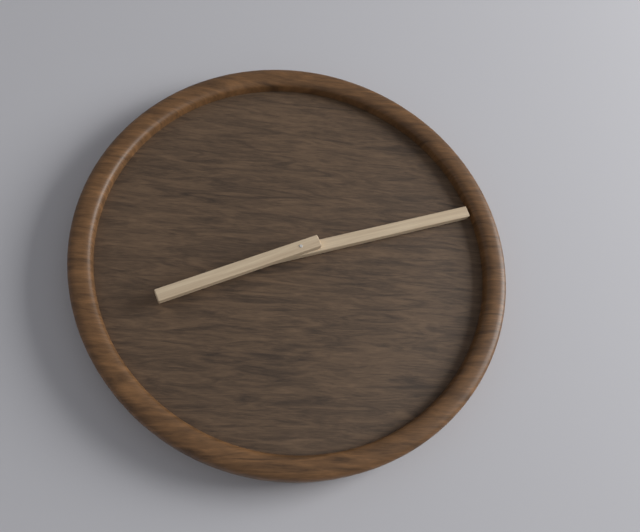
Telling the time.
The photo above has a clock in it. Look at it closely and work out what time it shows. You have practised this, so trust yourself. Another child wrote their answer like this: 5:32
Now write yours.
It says 8:12
